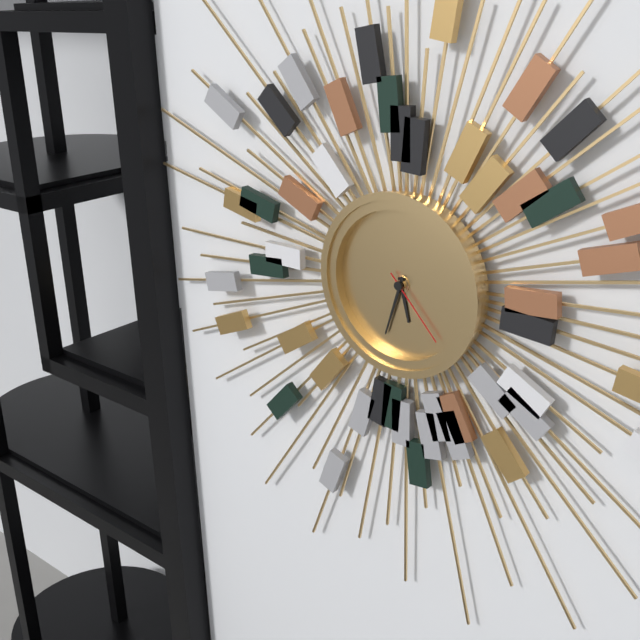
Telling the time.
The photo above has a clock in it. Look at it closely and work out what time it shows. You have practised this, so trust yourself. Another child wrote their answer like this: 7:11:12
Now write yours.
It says 5:33:23
